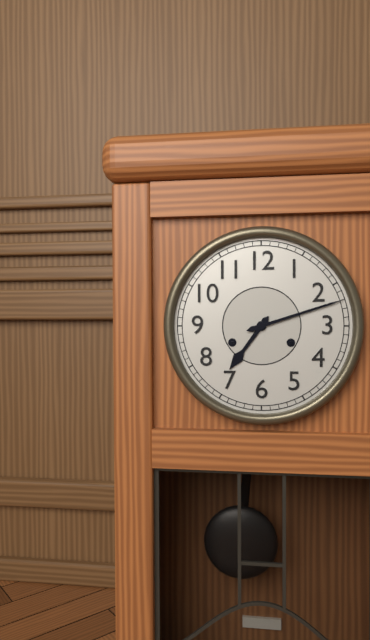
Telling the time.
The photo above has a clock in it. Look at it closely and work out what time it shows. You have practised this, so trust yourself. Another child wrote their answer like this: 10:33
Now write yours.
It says 7:12
